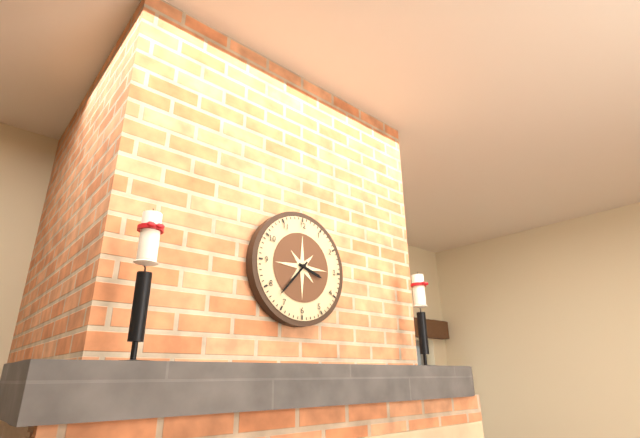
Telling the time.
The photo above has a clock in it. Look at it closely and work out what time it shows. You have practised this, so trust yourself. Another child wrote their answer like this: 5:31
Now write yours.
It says 3:37
